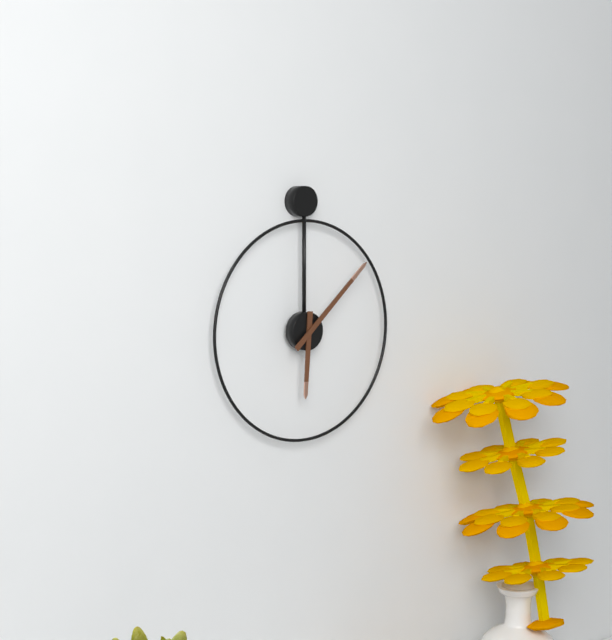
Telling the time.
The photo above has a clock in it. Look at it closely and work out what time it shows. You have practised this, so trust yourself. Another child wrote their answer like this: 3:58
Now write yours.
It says 6:08
